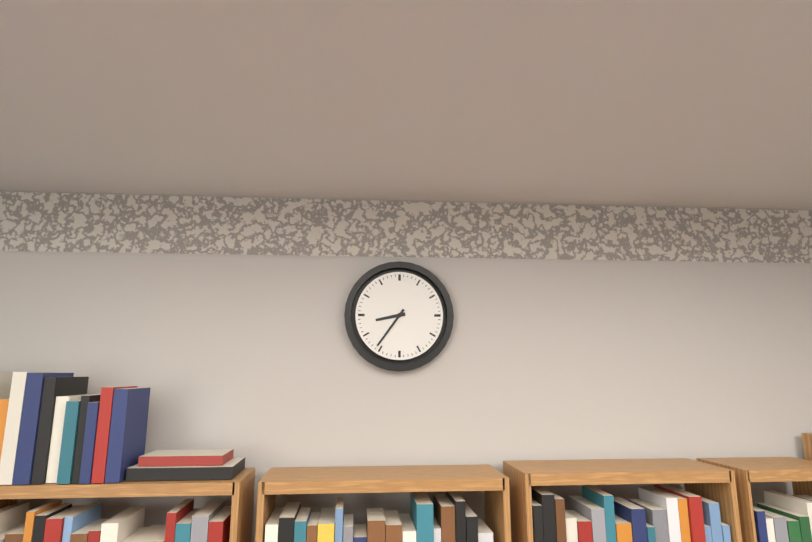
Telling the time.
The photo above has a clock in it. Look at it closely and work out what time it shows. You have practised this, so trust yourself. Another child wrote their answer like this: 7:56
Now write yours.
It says 8:36
